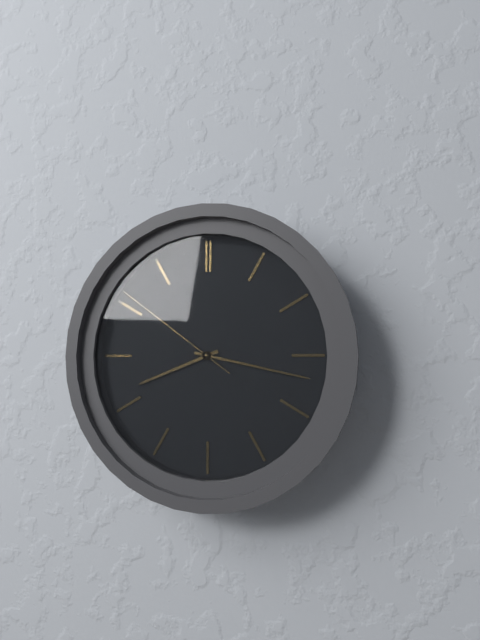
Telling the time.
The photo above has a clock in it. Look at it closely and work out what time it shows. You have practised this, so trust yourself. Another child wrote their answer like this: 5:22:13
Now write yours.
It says 8:17:51
